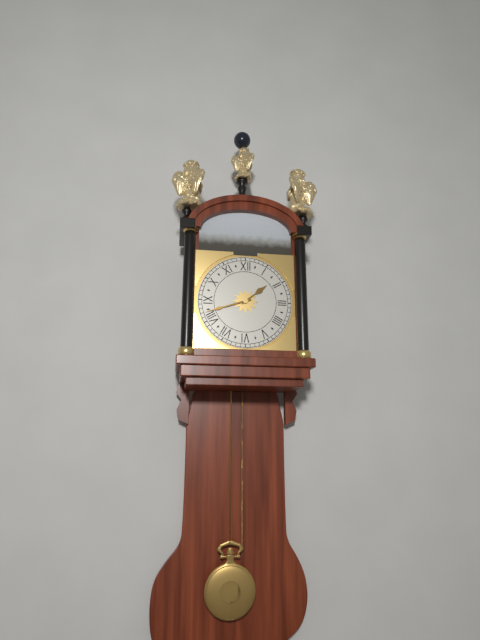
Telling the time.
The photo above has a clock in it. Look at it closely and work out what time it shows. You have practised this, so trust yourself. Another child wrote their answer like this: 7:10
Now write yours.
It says 1:42
